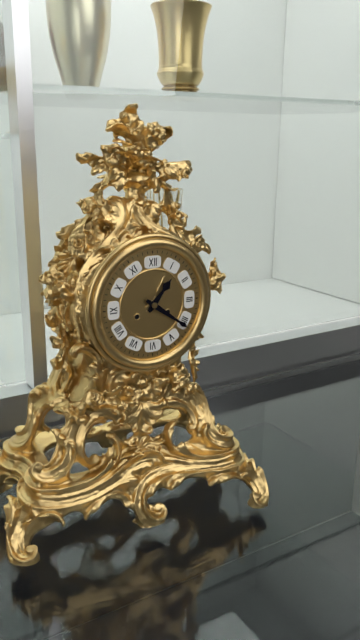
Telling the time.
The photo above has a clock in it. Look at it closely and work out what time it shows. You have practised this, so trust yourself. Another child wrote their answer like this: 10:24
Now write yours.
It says 1:21
